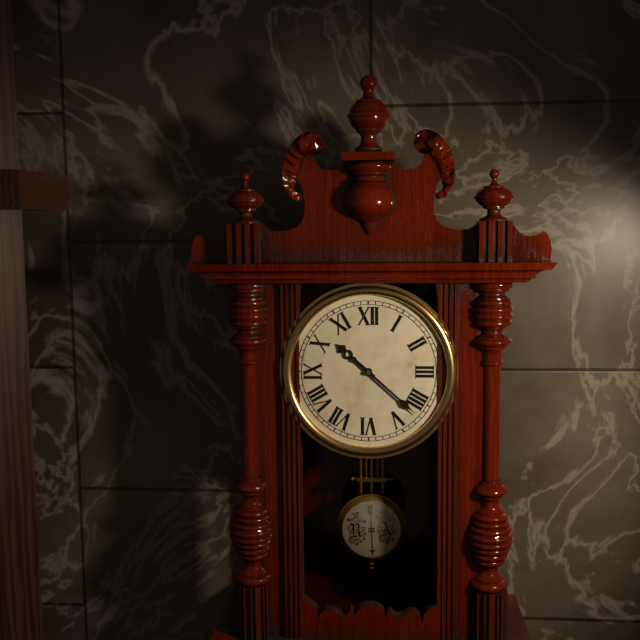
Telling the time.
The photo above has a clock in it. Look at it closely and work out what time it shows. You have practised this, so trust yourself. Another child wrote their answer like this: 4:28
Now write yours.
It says 10:22
